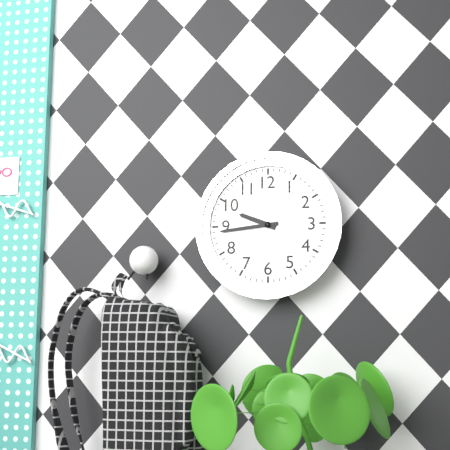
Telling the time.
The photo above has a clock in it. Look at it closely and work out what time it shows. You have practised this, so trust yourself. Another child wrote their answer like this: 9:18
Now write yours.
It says 9:44
